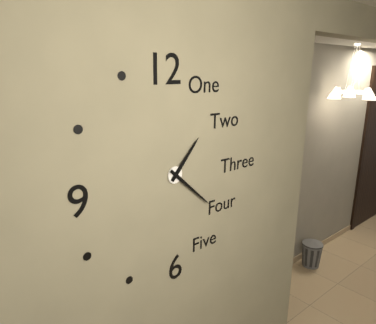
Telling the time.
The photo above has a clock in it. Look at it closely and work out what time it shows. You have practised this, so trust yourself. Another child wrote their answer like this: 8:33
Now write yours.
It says 1:22
